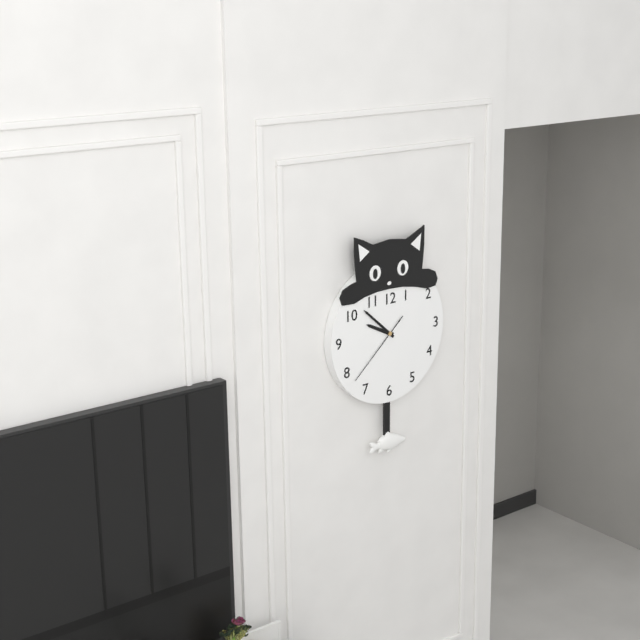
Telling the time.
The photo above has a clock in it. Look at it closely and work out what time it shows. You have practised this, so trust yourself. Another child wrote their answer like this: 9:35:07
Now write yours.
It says 9:52:38
